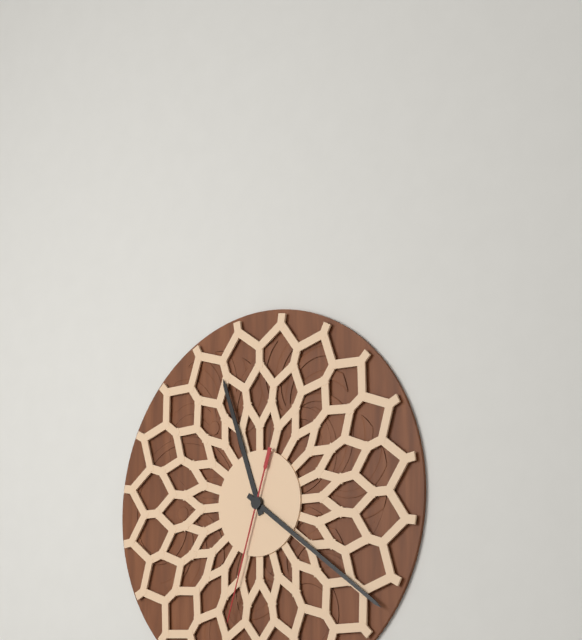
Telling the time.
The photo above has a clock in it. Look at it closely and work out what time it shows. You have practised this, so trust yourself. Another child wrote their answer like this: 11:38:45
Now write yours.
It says 11:21:33
